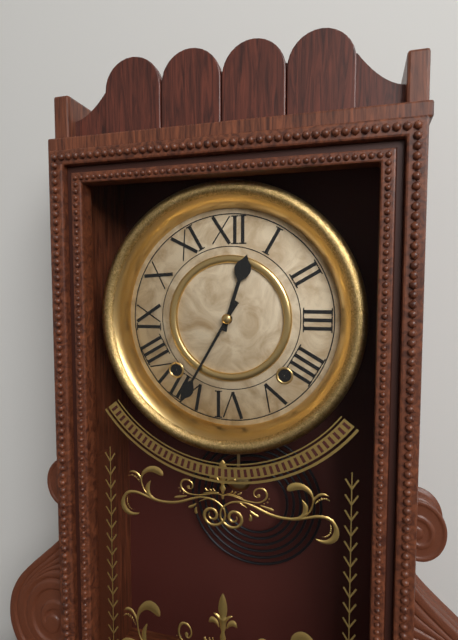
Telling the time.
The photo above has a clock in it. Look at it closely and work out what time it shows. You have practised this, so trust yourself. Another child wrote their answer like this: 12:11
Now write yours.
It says 12:35
